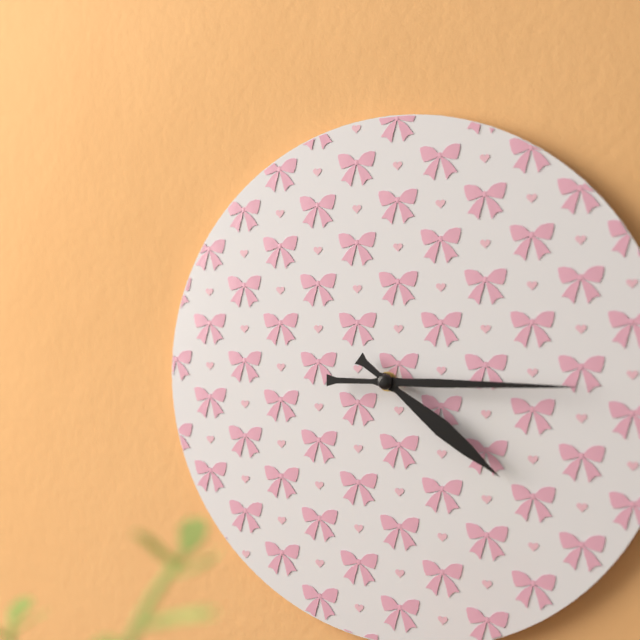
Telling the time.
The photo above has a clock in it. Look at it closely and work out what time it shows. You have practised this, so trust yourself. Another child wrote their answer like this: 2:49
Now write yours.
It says 4:15
